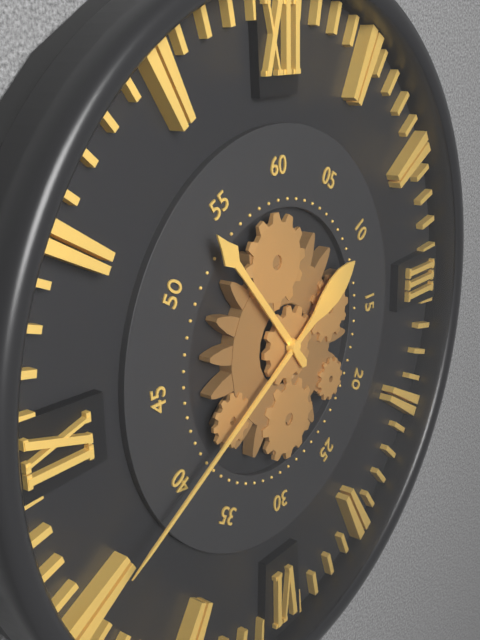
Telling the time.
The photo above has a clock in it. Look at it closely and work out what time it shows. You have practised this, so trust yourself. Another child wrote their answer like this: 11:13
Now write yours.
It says 10:40
